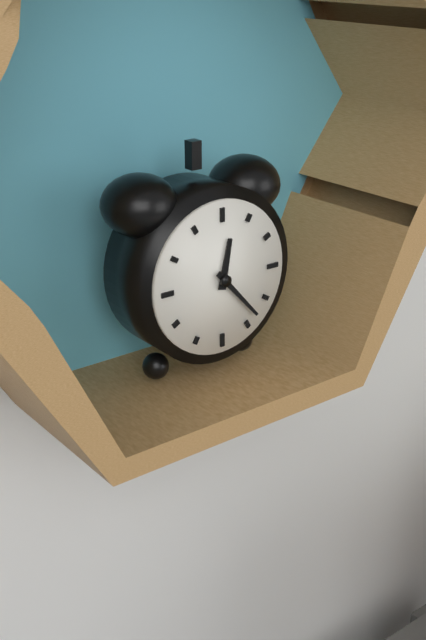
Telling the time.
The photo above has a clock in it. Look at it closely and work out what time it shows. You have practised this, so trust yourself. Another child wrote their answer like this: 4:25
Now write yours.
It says 12:23
